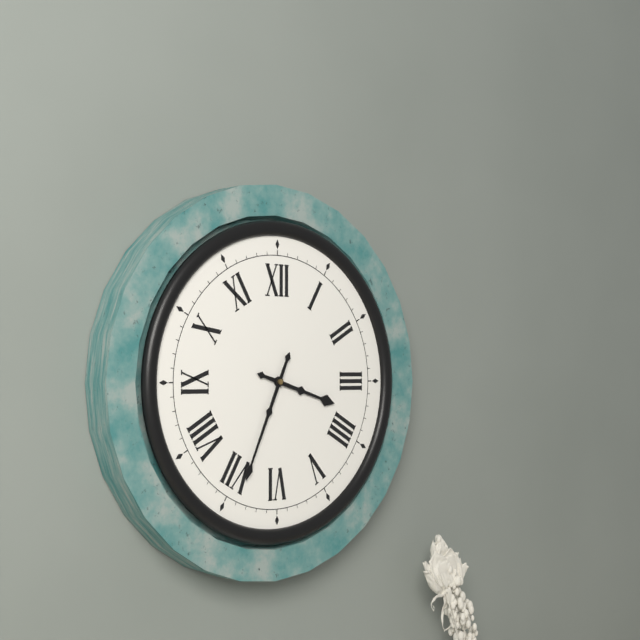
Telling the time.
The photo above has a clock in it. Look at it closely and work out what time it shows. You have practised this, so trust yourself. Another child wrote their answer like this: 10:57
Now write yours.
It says 3:34
